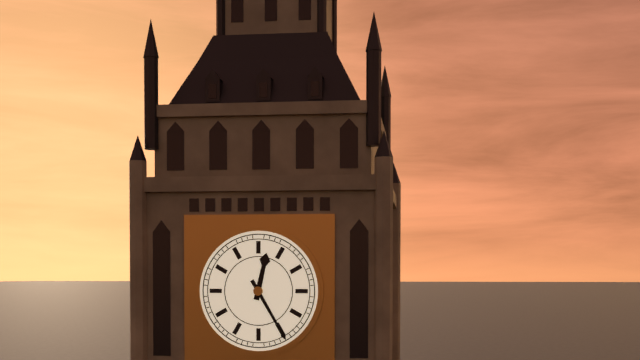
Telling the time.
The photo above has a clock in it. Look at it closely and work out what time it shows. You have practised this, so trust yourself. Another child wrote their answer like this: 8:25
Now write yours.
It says 12:25
